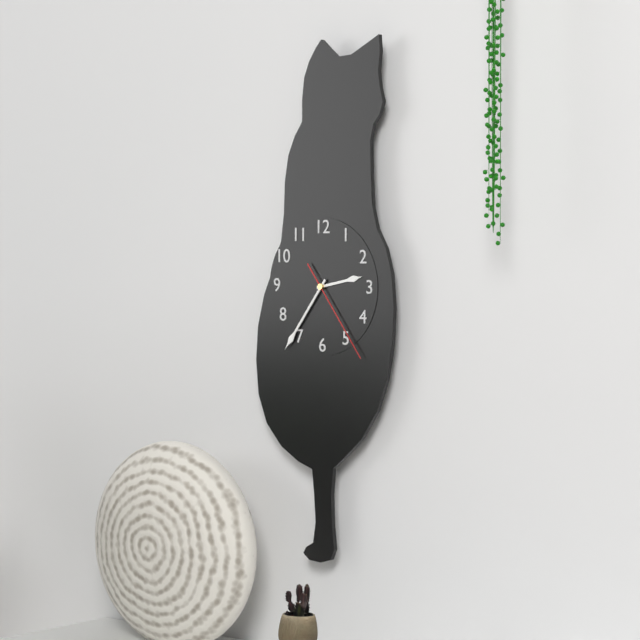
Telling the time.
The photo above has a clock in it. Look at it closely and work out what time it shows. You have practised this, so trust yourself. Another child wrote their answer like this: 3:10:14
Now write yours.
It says 2:36:24
